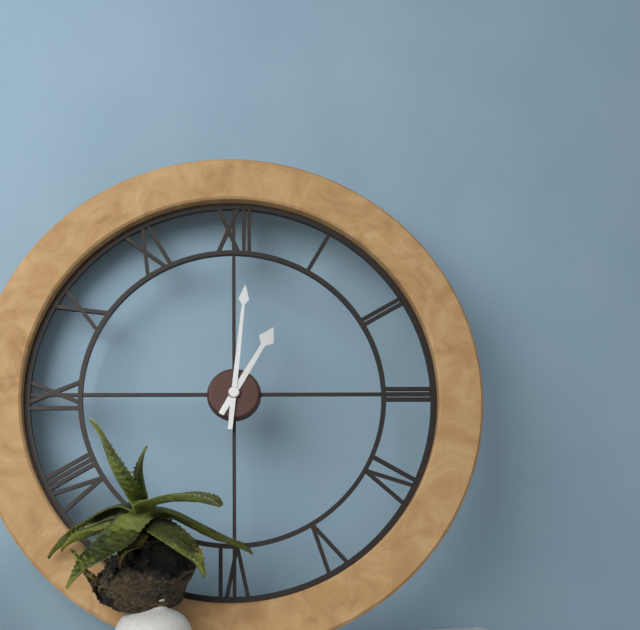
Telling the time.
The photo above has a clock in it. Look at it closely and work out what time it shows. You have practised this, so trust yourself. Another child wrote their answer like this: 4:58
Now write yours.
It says 1:01
